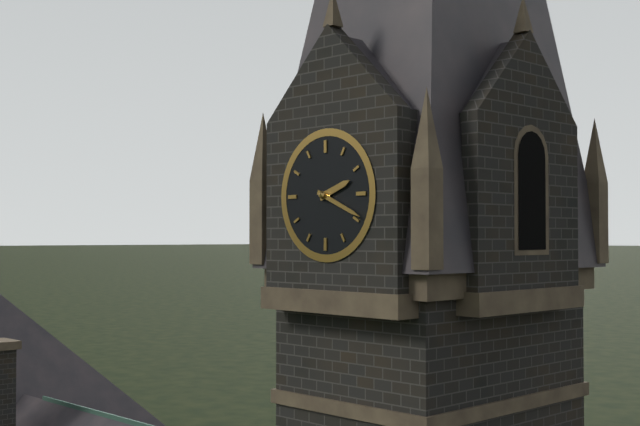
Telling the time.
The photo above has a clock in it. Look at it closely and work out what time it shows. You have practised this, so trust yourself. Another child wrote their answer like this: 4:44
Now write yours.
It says 2:19
